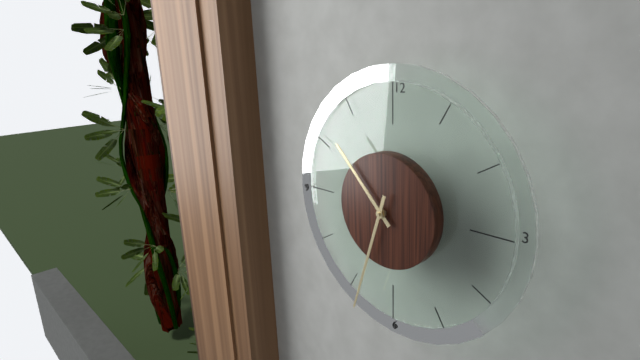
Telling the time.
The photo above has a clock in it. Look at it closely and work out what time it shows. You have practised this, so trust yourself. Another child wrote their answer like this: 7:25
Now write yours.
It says 10:33
